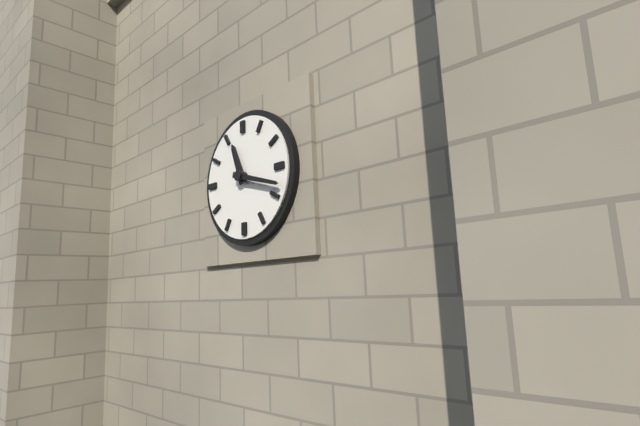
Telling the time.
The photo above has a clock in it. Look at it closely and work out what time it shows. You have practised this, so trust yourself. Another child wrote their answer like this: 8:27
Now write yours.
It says 11:18
